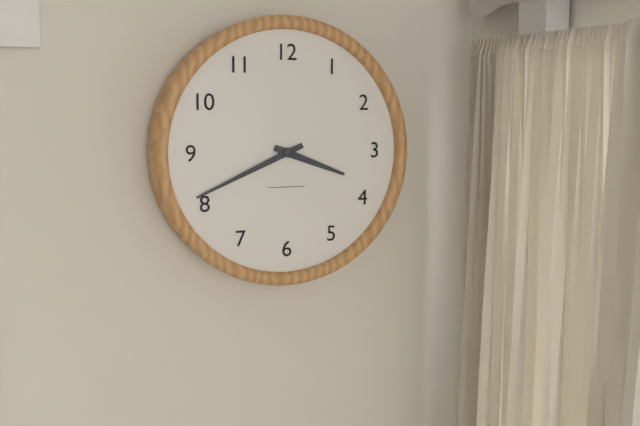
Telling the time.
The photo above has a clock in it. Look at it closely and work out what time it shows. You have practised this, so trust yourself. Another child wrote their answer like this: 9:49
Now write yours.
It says 3:41
